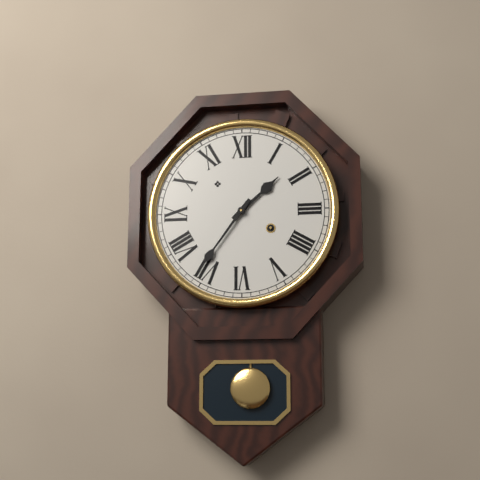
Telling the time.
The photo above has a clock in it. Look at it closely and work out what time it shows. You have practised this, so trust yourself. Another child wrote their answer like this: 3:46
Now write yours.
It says 1:36
